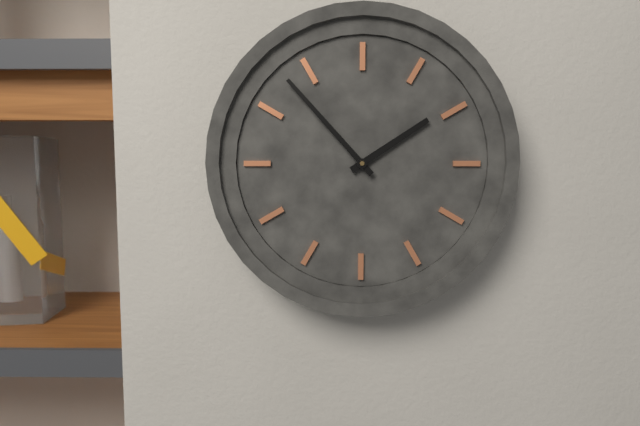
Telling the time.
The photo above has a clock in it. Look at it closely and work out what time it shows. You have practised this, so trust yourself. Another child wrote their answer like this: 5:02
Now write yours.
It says 1:53
